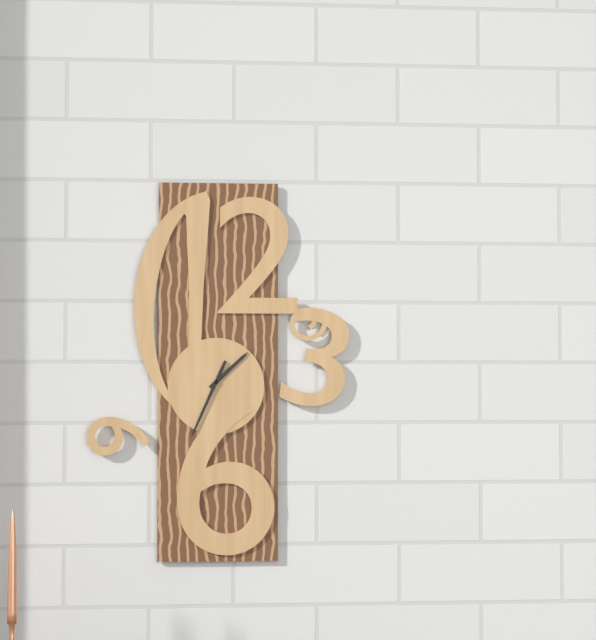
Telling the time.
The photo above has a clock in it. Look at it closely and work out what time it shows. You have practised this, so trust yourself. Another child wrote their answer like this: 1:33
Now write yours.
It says 1:34
